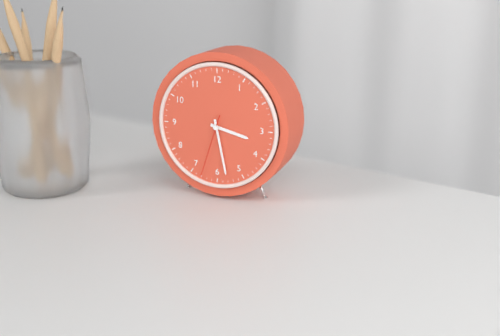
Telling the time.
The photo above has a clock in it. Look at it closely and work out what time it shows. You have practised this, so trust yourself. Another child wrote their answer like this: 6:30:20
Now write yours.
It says 3:28:33
